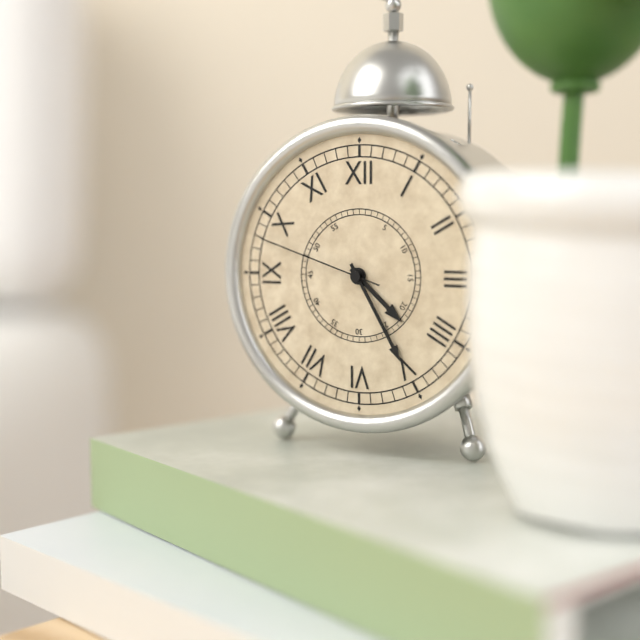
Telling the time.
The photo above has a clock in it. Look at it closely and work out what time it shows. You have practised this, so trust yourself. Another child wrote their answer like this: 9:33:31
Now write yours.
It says 4:25:48
